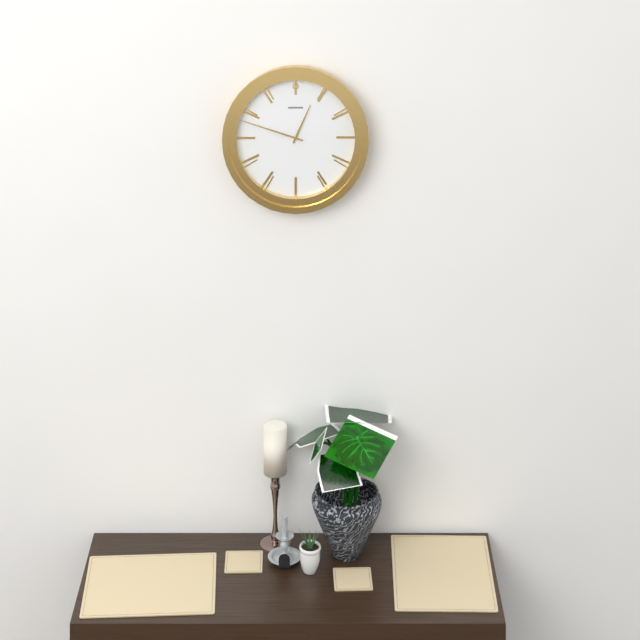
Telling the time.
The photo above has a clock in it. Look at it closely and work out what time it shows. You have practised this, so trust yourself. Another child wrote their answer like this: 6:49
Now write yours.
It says 12:48
